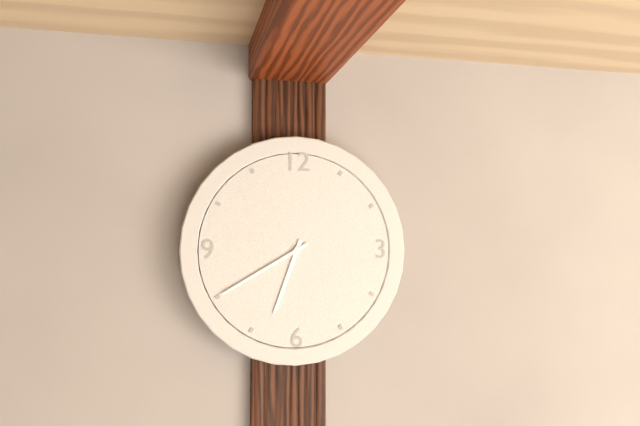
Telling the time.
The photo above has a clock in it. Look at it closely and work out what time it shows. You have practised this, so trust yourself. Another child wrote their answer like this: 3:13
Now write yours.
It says 6:40
